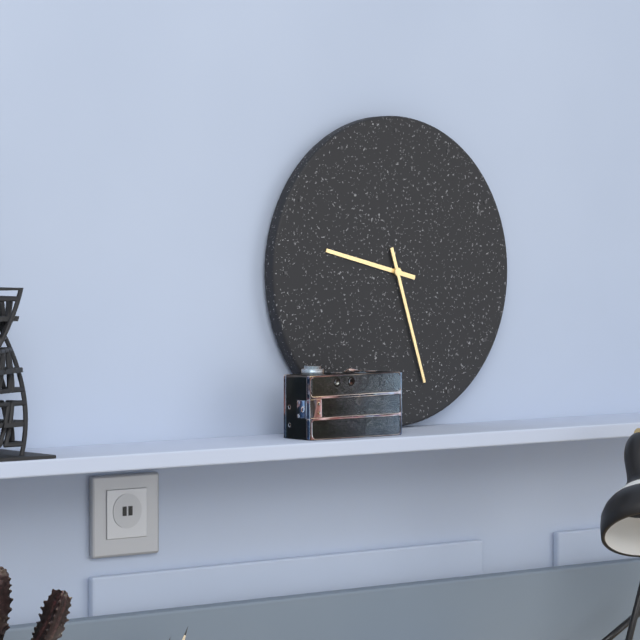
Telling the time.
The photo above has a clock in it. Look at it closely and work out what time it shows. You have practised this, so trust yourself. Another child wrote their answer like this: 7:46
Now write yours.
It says 9:27
